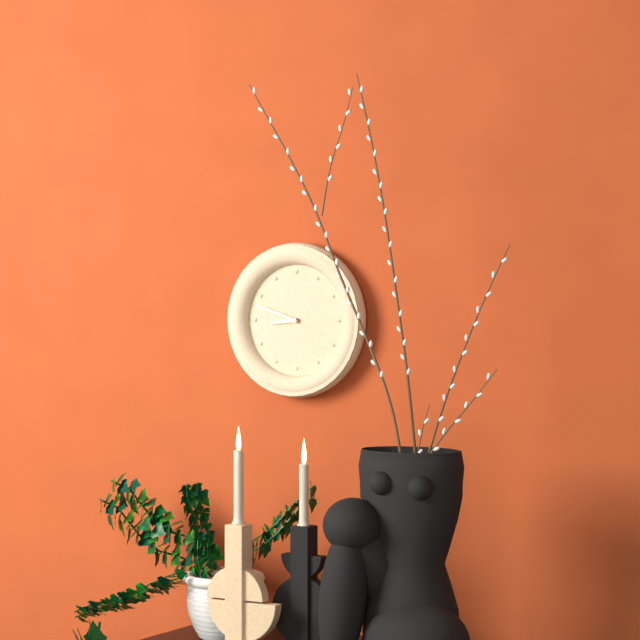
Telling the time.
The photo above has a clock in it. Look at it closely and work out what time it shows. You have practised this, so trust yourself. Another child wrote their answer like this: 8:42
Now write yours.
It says 8:48
